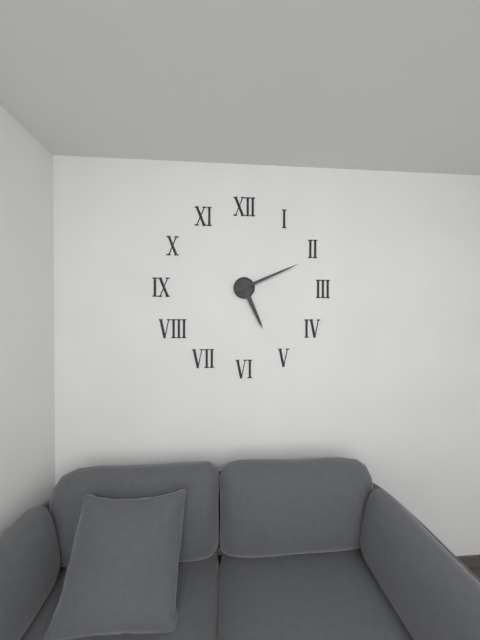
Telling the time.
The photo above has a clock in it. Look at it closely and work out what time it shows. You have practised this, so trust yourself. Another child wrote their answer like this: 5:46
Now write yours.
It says 5:11
